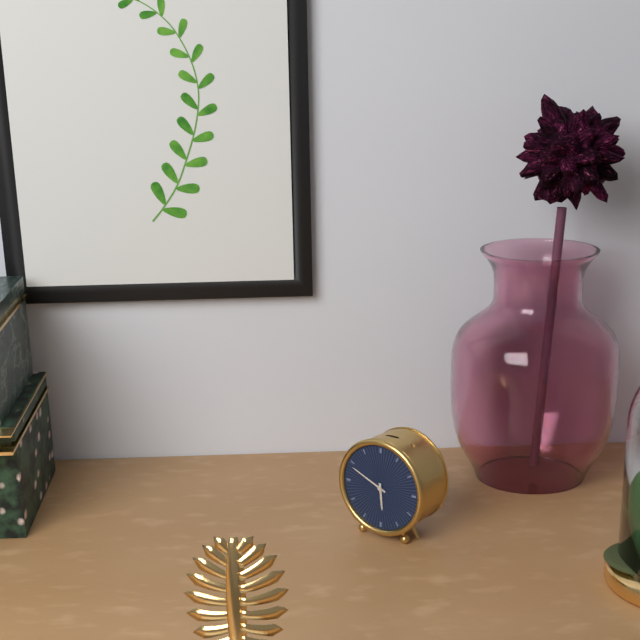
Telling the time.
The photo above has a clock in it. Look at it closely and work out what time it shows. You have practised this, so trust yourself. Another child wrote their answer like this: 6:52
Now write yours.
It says 5:49
